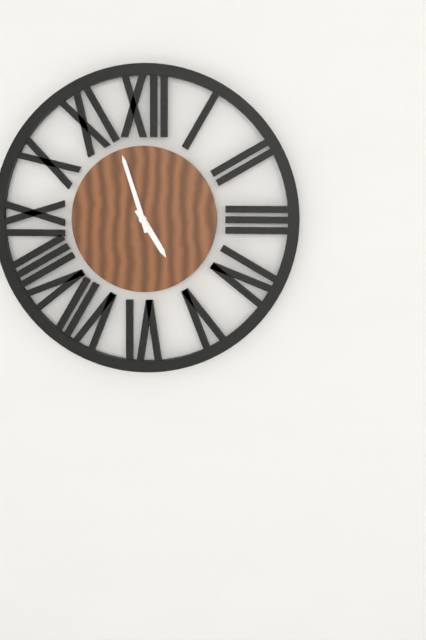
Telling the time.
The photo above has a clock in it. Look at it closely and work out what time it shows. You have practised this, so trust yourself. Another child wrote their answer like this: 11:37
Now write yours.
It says 4:57
